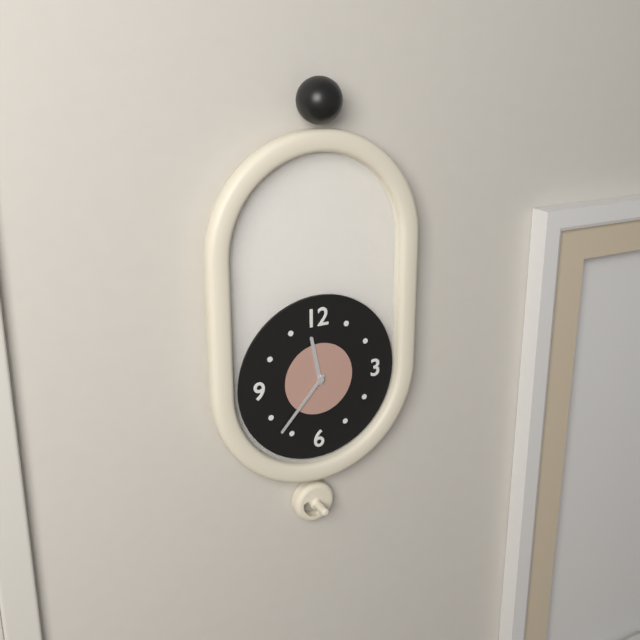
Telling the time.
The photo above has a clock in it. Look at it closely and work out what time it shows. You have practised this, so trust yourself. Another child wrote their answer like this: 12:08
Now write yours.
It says 11:37
